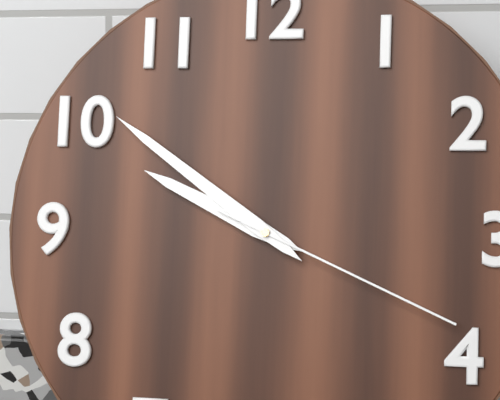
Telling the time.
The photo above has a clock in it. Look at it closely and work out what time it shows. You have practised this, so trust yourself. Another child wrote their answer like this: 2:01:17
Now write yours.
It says 9:51:19
